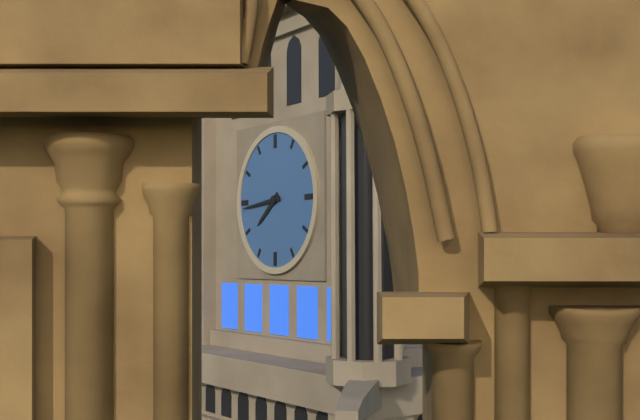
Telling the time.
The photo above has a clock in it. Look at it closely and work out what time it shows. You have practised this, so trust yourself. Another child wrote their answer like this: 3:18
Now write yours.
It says 7:44
